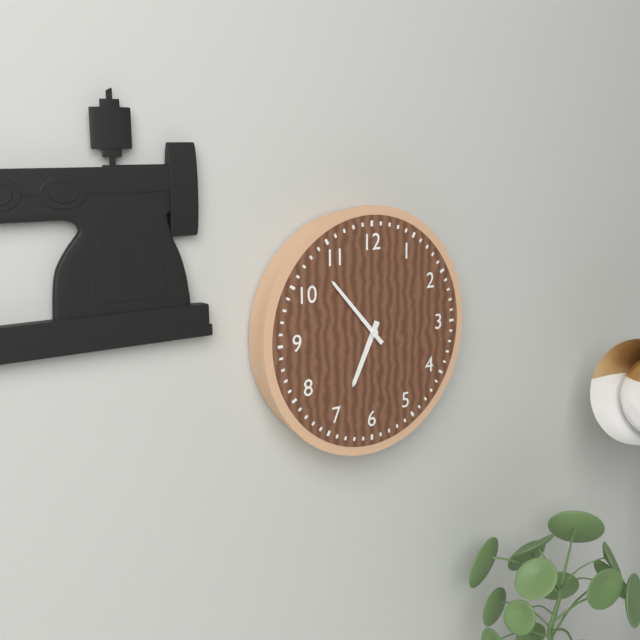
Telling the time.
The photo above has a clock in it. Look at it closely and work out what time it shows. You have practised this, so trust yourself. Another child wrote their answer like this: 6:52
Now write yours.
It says 6:53
